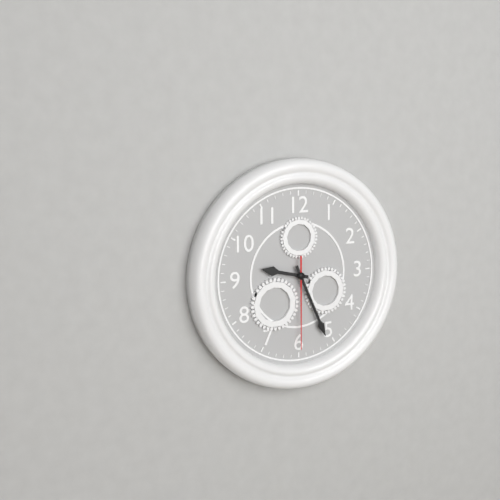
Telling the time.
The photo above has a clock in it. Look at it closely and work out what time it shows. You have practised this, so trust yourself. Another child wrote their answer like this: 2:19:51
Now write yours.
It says 9:26:30
